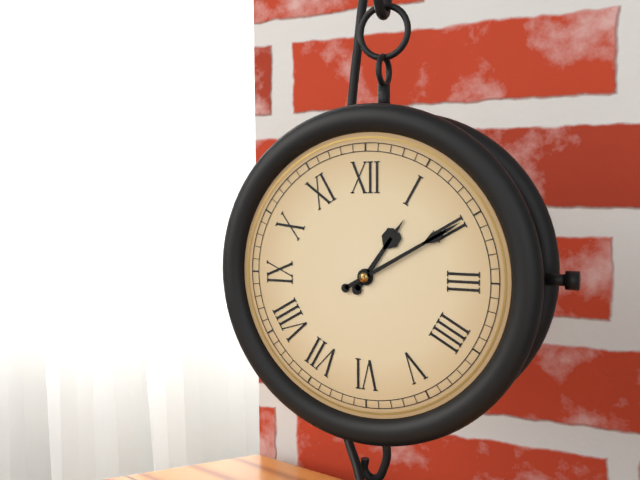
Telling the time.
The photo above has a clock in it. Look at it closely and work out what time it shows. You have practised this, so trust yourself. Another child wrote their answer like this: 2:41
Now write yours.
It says 1:10
